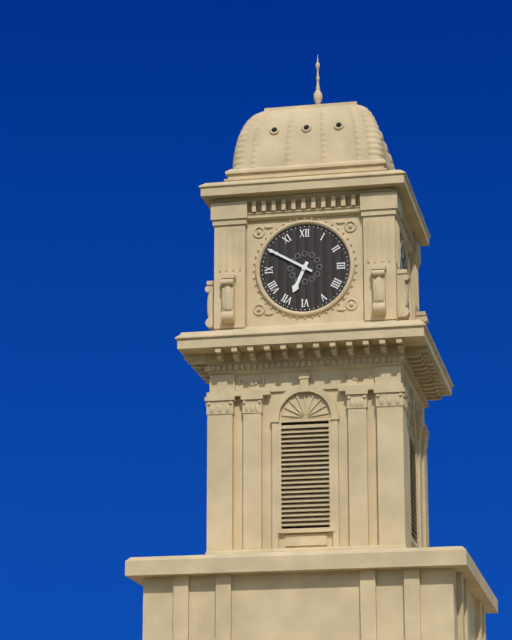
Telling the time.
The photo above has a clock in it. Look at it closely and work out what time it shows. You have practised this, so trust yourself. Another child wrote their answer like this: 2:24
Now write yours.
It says 6:50
